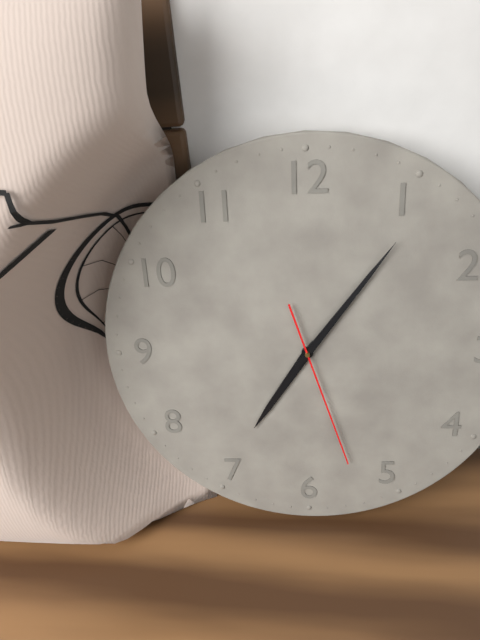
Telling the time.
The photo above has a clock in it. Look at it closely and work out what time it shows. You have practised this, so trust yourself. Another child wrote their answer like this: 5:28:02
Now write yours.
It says 7:06:27
